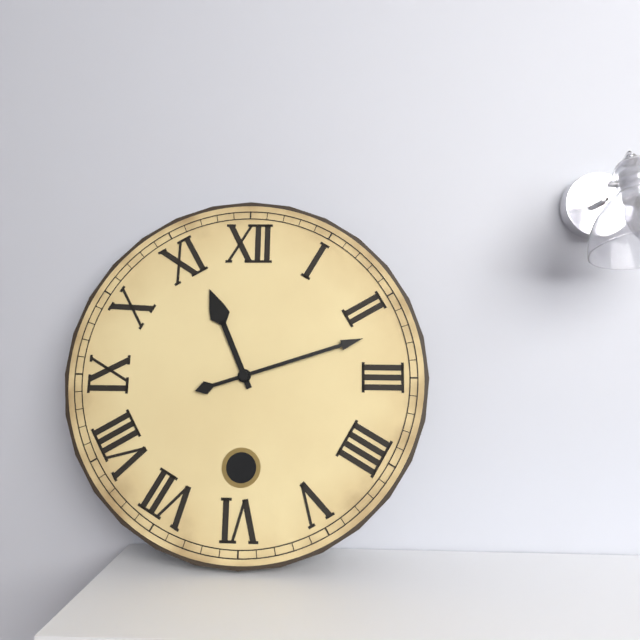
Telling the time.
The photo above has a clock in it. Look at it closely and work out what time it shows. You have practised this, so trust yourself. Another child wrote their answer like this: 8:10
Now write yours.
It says 11:12
